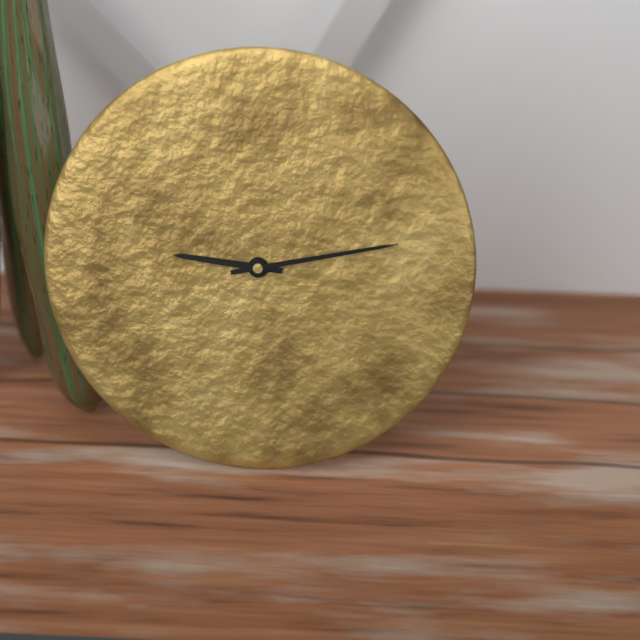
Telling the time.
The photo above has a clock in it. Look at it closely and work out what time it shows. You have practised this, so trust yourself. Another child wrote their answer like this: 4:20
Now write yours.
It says 9:13
